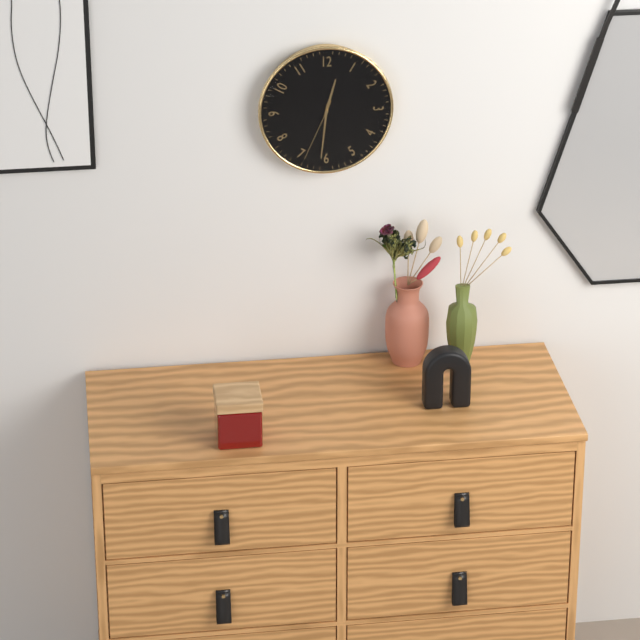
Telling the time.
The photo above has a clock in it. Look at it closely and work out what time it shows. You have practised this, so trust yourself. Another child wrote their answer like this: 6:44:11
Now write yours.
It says 12:31:34
